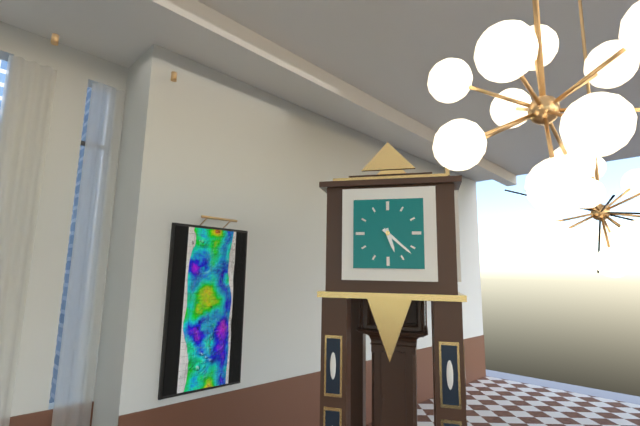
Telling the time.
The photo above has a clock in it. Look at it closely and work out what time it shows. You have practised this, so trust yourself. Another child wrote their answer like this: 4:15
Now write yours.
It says 5:22
